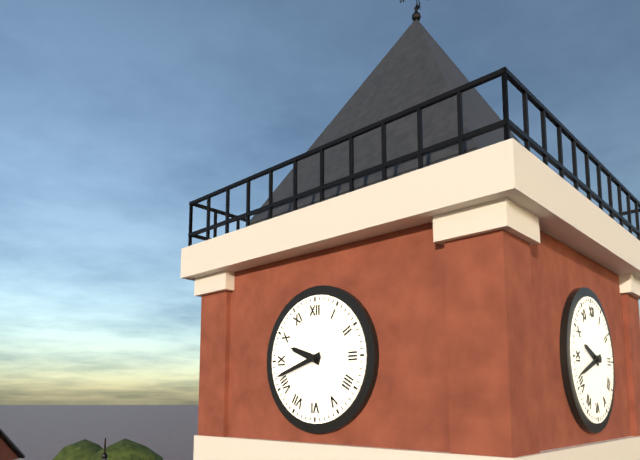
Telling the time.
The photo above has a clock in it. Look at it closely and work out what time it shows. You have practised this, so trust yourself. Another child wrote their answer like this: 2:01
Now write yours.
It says 9:42
